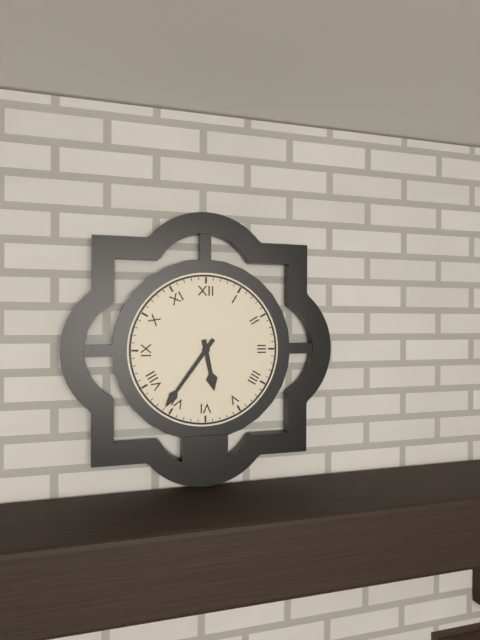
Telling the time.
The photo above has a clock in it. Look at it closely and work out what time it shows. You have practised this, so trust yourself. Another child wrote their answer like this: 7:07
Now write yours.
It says 5:36
